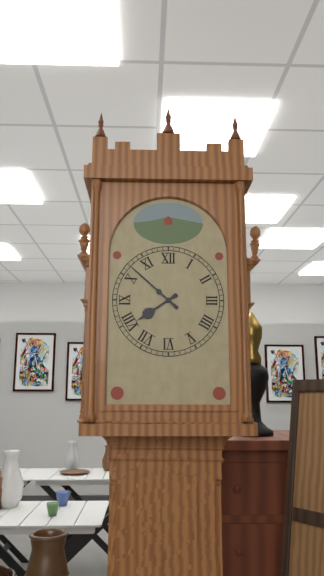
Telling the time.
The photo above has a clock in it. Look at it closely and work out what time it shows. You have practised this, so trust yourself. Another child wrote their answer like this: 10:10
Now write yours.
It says 7:52
